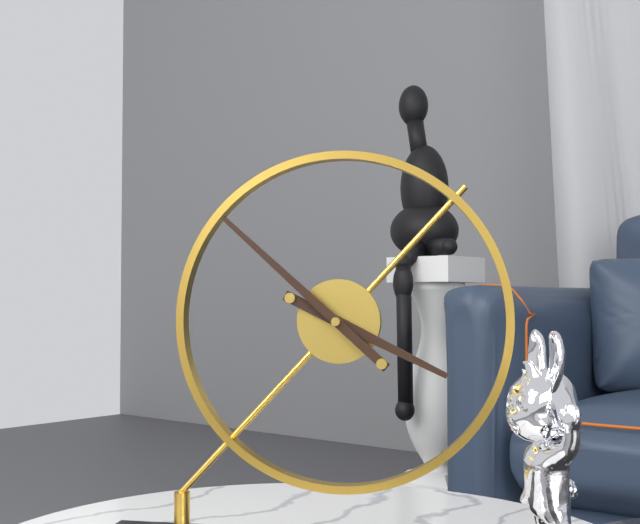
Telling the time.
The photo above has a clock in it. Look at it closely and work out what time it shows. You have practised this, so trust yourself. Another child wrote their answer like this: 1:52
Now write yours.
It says 3:52
